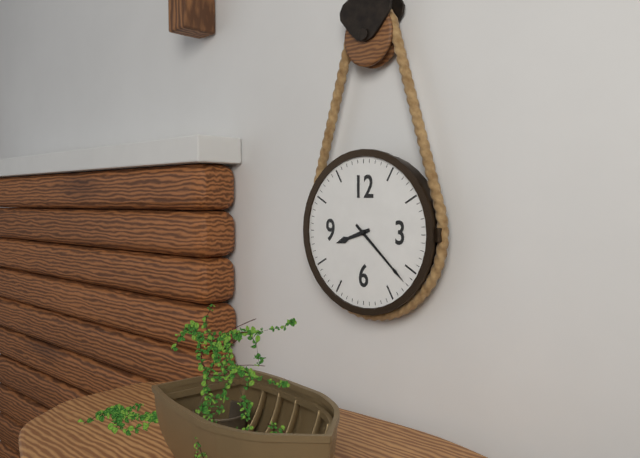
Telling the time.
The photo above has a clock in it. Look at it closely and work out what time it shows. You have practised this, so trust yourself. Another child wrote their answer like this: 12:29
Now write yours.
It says 8:22
